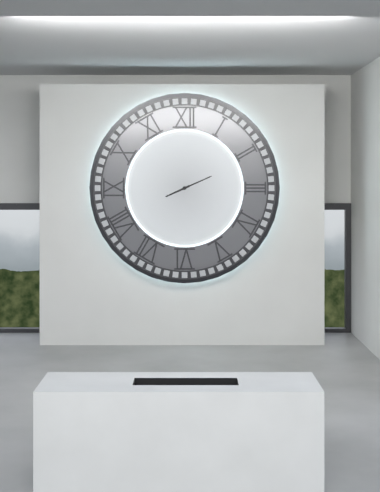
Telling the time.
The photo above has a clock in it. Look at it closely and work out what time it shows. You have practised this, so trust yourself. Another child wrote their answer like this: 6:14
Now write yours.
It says 8:11
